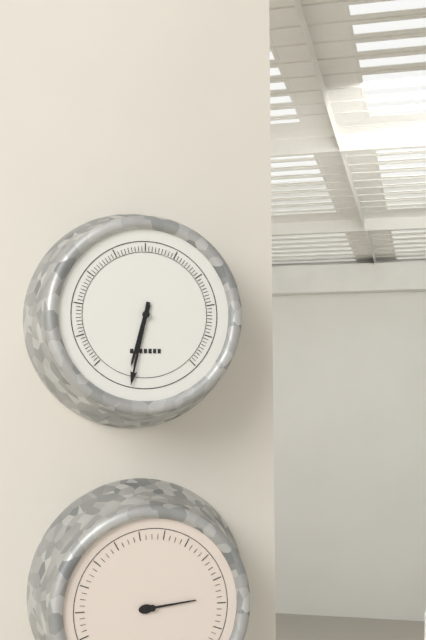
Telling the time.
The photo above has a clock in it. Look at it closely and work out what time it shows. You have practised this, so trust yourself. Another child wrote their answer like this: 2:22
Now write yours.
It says 6:32
